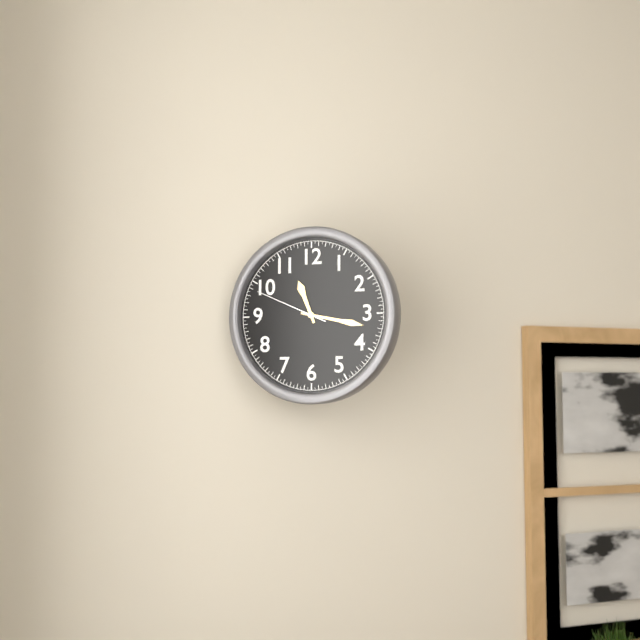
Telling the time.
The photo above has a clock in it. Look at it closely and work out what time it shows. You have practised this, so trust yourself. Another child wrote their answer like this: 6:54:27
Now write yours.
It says 11:17:49
